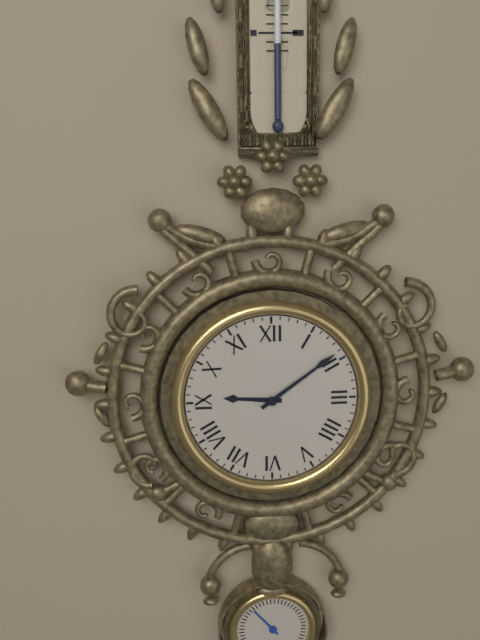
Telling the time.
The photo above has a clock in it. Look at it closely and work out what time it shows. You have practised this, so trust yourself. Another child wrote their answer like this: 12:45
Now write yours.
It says 9:09
